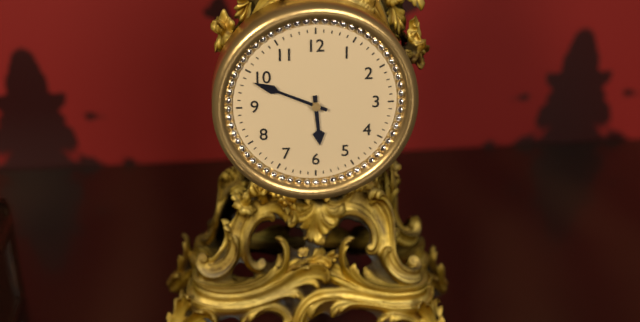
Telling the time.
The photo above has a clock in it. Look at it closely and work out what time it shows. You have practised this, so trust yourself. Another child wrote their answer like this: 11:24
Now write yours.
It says 5:49
